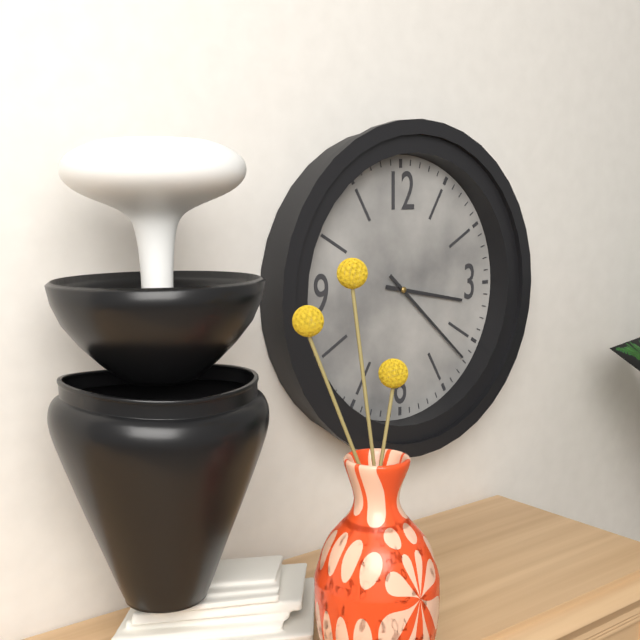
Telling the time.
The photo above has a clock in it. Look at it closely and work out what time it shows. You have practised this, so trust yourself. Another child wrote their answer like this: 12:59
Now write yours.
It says 3:22
